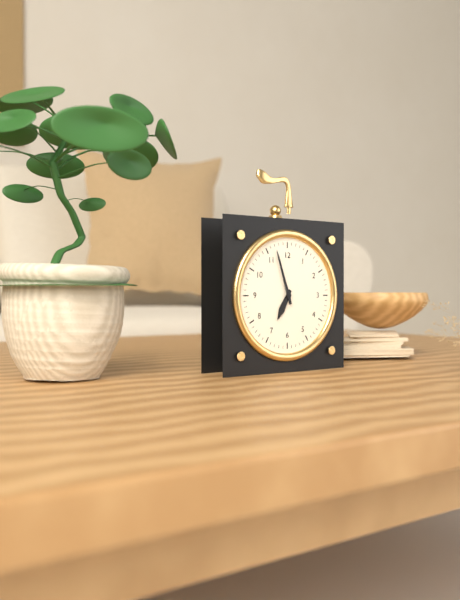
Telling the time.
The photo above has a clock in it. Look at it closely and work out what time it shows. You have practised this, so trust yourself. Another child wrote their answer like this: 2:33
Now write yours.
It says 6:57
